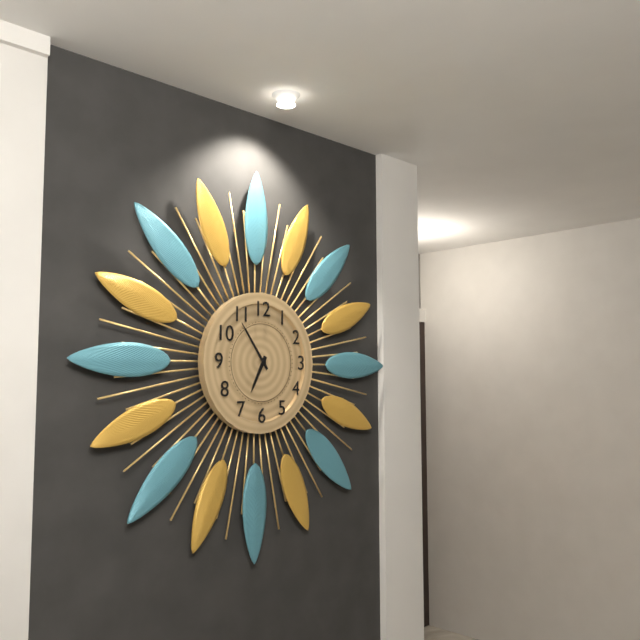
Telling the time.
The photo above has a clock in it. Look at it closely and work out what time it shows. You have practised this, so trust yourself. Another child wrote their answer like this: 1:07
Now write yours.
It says 6:54
